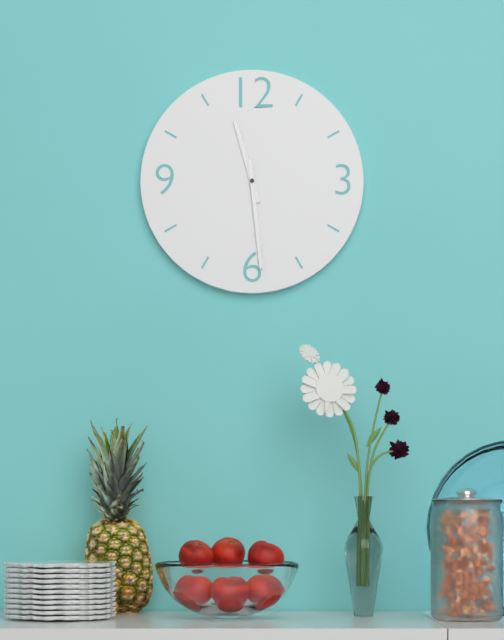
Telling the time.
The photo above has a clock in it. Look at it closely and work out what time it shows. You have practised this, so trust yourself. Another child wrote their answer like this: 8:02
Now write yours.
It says 11:29
